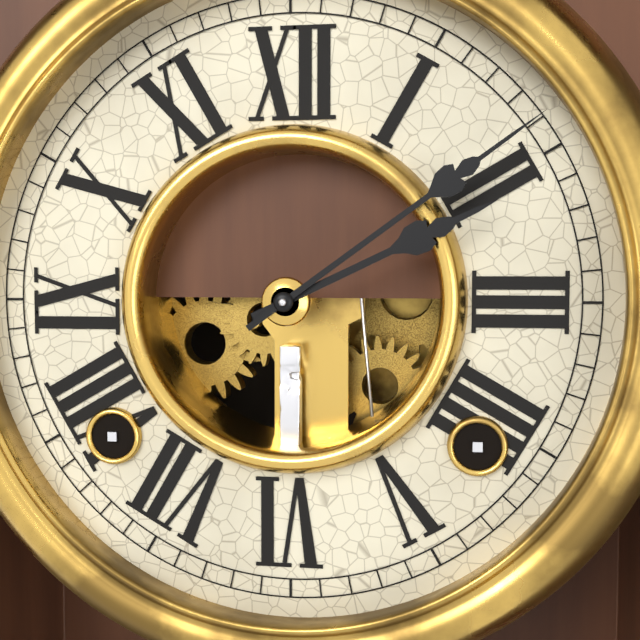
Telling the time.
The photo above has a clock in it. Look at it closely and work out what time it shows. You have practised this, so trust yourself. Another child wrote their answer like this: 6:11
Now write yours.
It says 2:09
